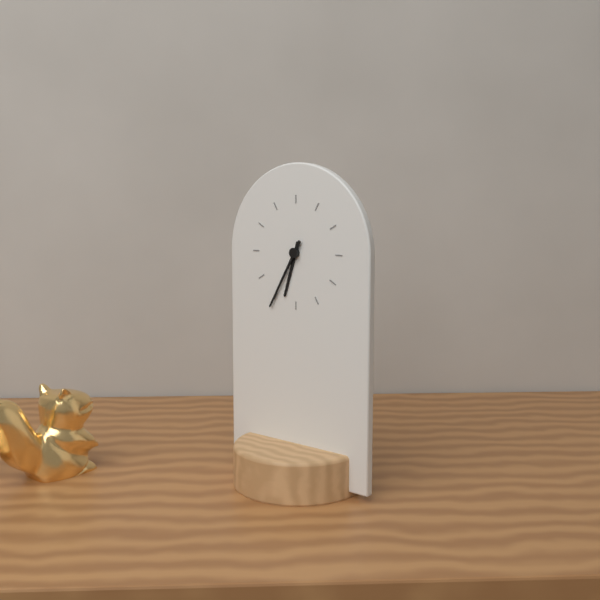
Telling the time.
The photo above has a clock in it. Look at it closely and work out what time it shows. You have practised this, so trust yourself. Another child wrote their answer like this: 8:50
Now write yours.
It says 6:35
